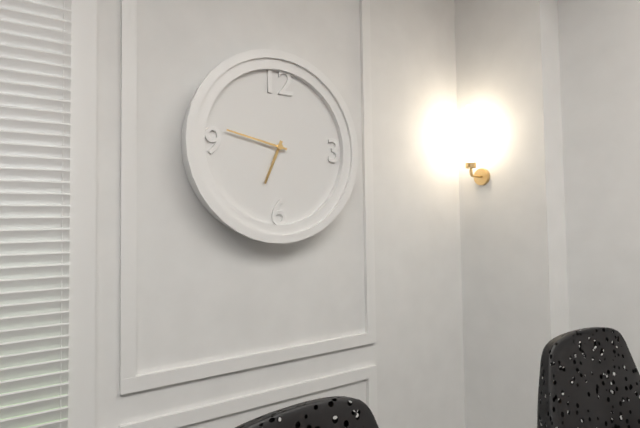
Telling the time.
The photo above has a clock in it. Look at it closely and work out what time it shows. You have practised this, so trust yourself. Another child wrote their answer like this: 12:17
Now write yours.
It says 6:47
